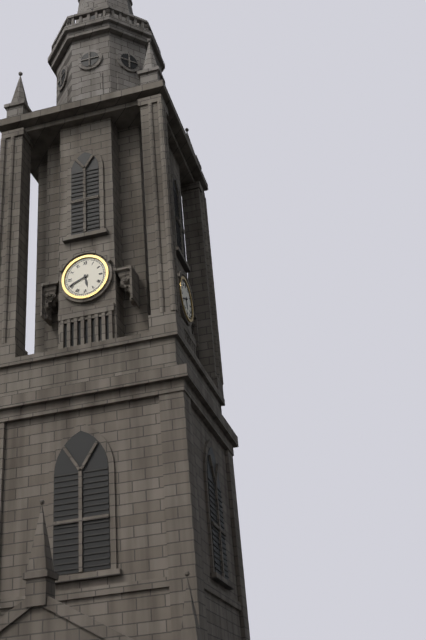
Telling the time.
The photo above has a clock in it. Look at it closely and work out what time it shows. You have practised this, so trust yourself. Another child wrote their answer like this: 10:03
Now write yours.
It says 5:41
